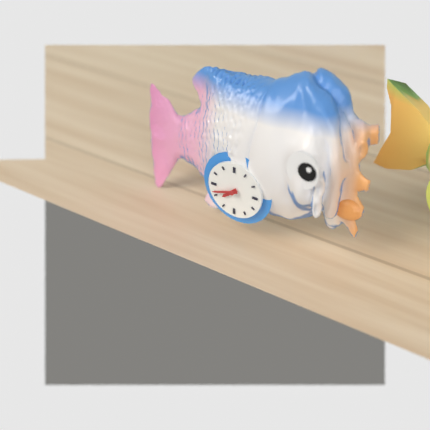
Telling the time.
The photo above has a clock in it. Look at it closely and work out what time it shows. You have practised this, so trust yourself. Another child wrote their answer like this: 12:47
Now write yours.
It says 7:42
